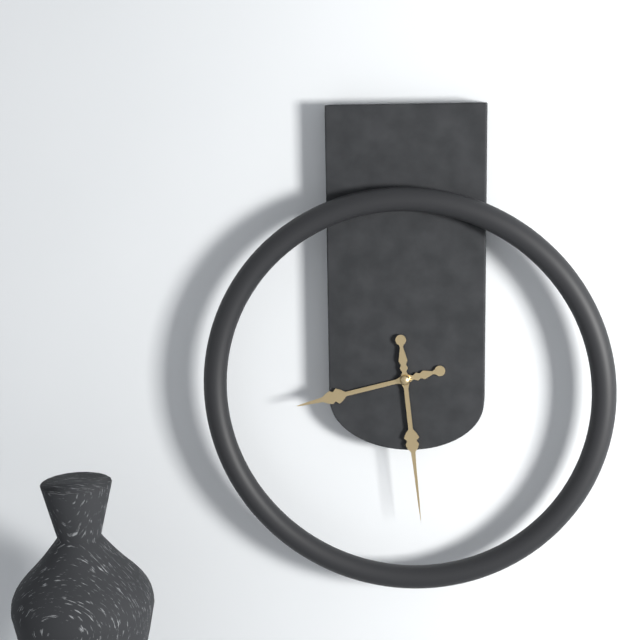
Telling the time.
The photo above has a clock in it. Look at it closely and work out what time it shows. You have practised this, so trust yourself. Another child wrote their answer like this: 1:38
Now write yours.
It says 8:29
